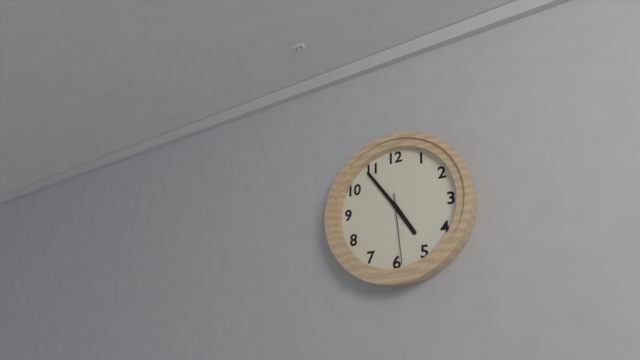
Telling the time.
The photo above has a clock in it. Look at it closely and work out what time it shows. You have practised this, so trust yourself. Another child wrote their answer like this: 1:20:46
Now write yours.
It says 4:54:29
